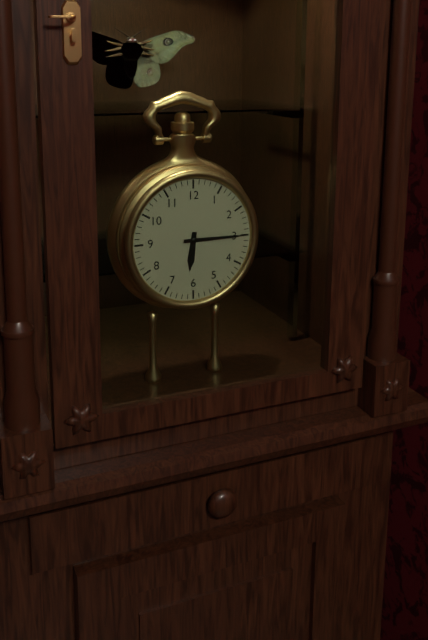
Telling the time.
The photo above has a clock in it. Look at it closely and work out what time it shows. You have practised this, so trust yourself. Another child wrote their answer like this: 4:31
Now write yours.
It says 6:15
